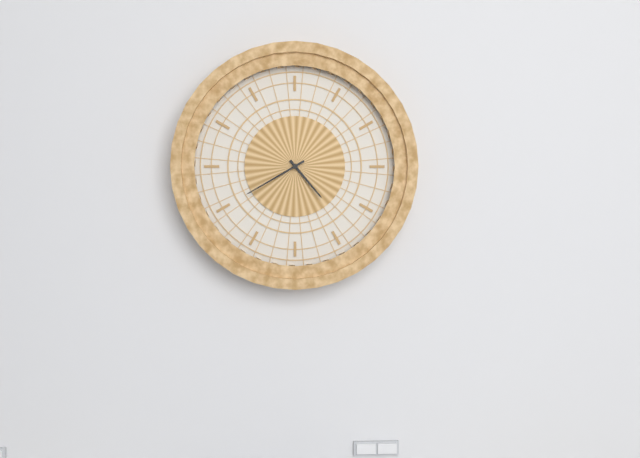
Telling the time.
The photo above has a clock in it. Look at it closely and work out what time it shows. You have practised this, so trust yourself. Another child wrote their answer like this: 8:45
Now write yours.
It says 4:40
